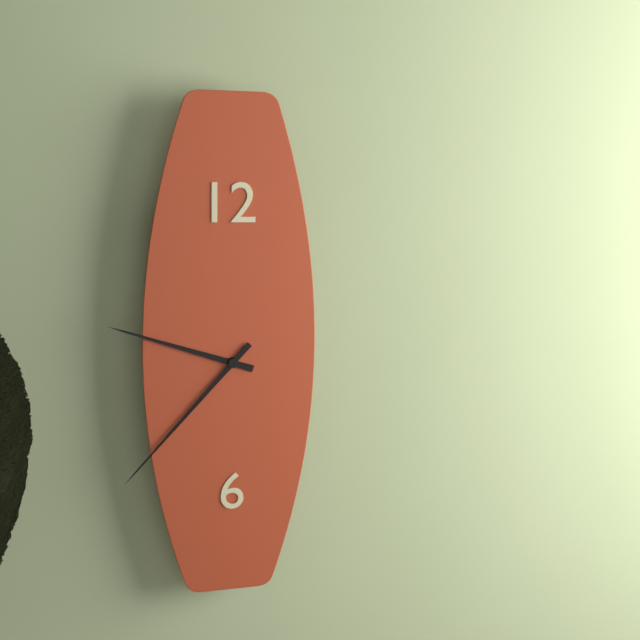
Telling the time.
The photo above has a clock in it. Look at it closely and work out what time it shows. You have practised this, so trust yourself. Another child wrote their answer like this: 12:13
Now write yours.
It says 9:37
